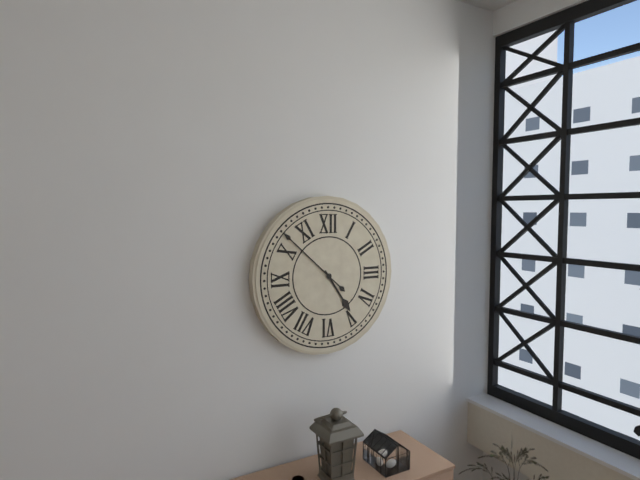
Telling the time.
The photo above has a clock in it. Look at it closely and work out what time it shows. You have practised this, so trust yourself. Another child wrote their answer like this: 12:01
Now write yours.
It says 4:52
